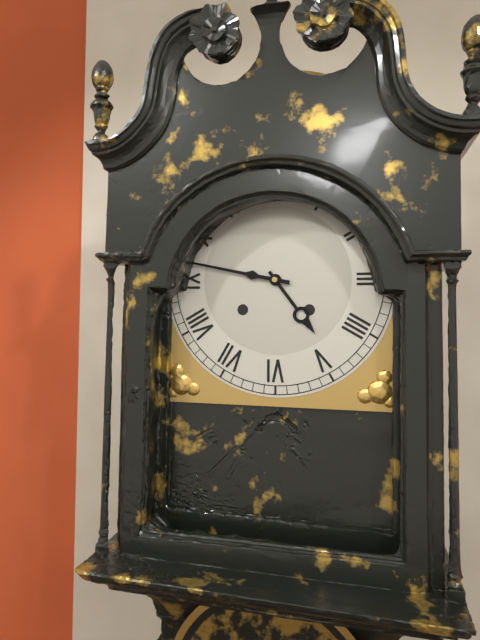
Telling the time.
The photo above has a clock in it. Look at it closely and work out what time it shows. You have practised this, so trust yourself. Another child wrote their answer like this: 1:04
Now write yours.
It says 4:47
